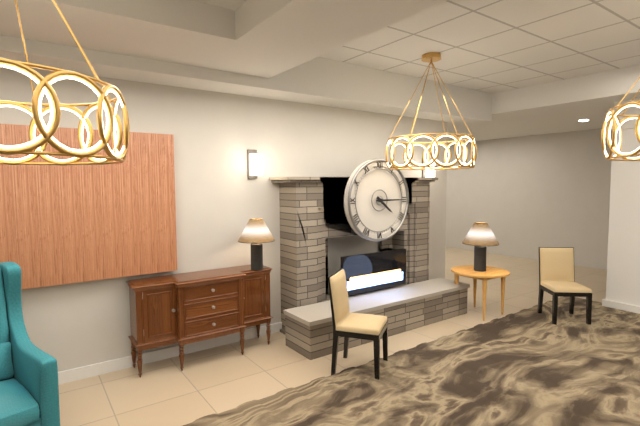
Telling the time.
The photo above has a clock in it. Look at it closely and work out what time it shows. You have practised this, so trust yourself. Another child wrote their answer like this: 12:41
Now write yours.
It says 4:15
